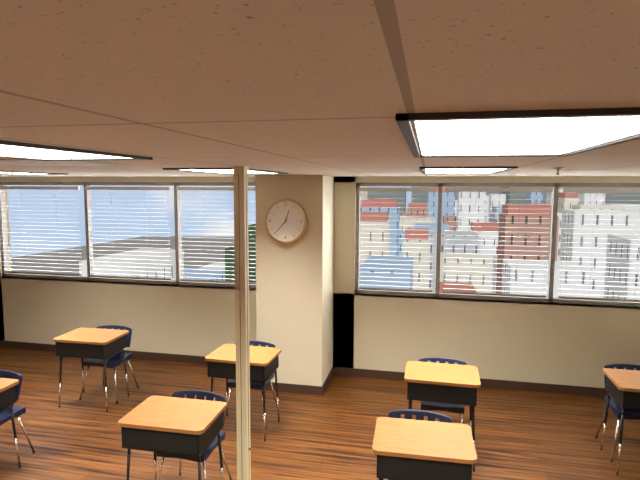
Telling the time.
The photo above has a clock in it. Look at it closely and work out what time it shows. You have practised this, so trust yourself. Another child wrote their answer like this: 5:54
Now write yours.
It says 12:37
